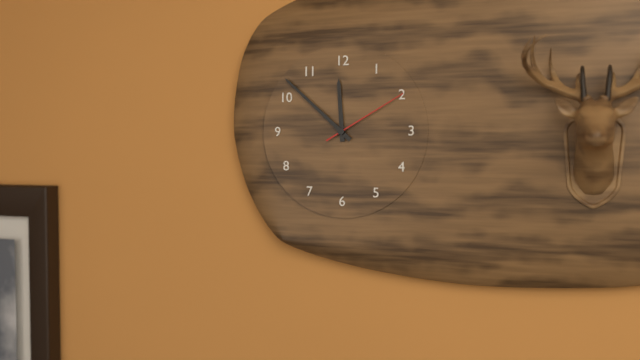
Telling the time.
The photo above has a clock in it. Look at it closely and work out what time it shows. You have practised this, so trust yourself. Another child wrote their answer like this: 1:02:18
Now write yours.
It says 11:52:10
